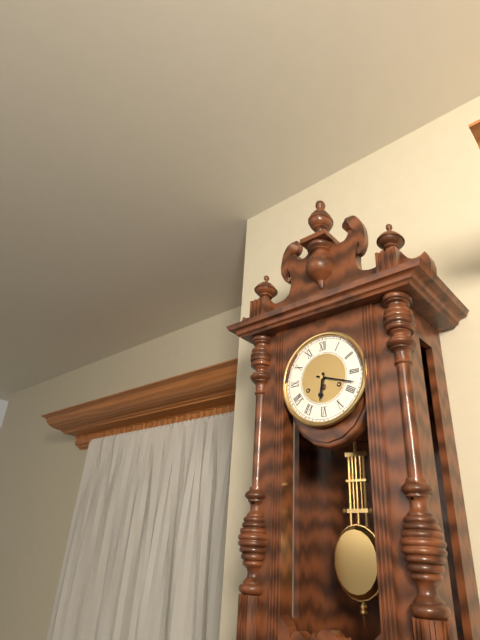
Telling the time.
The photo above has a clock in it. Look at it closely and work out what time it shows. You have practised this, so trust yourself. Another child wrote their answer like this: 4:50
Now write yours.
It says 6:18
